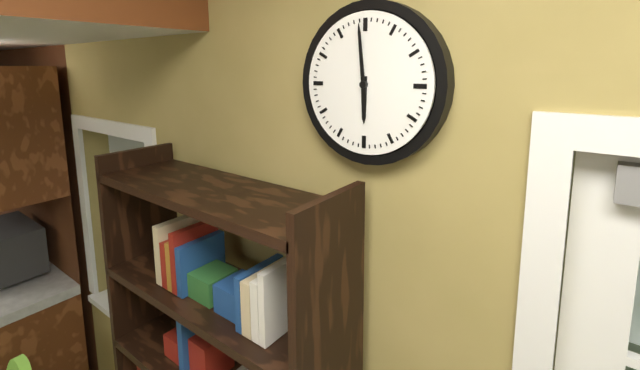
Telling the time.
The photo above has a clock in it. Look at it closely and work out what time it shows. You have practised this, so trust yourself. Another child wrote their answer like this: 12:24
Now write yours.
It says 5:59
